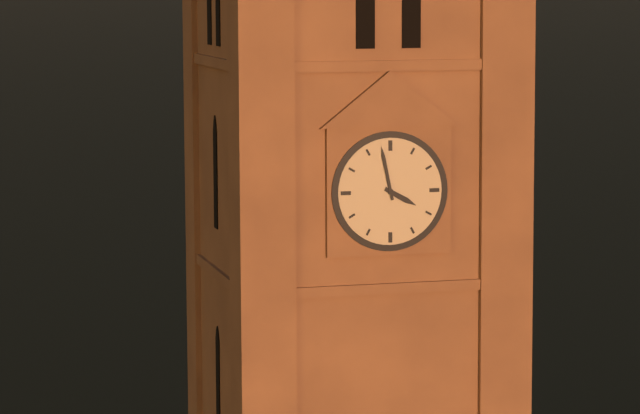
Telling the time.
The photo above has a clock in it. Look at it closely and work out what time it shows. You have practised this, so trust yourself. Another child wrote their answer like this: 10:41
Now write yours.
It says 3:58
